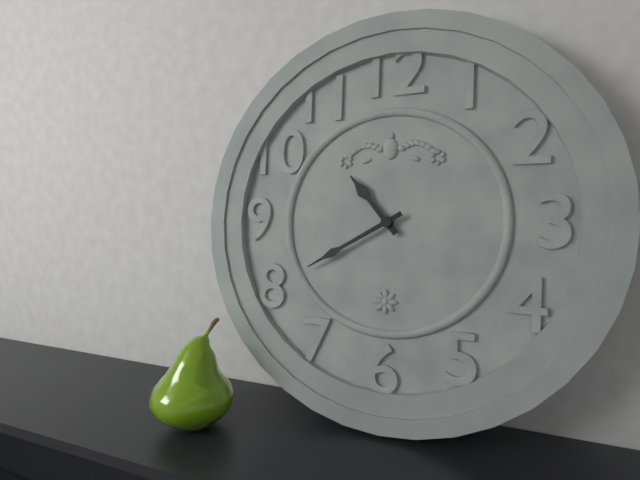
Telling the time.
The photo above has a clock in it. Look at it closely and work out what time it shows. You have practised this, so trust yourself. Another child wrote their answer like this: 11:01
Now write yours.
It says 10:40
